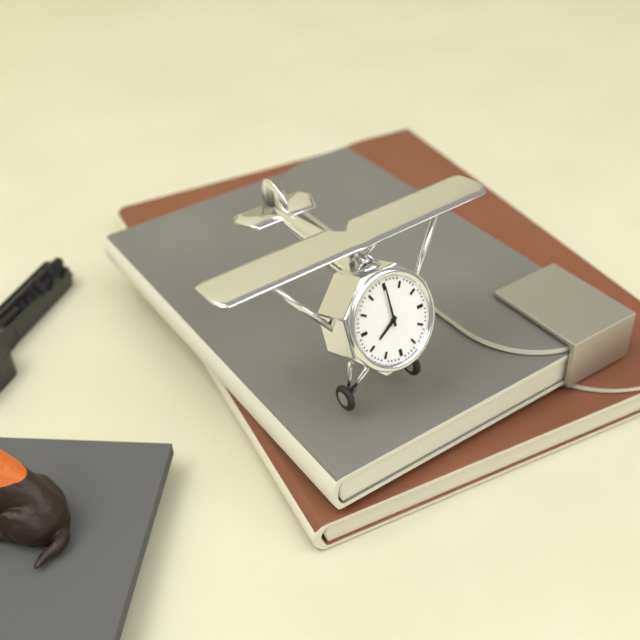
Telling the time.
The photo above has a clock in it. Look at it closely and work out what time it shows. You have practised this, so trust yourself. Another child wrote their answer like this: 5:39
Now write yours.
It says 8:00
